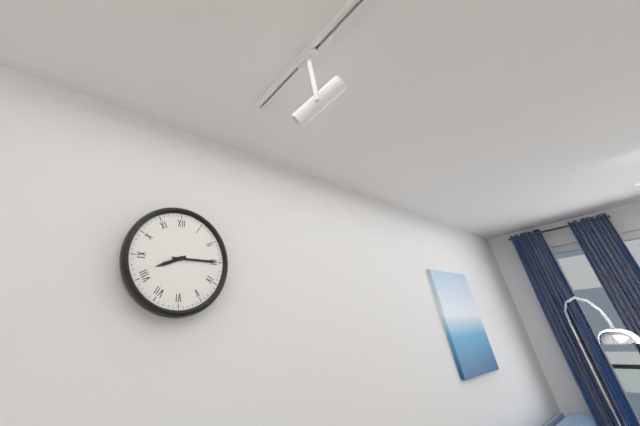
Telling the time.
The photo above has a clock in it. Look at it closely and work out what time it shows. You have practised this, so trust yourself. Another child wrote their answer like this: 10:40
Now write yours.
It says 8:15
